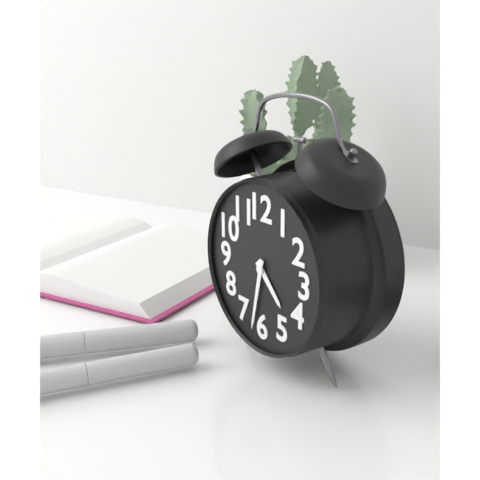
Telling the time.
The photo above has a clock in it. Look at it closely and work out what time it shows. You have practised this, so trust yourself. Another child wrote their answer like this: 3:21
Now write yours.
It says 4:32
